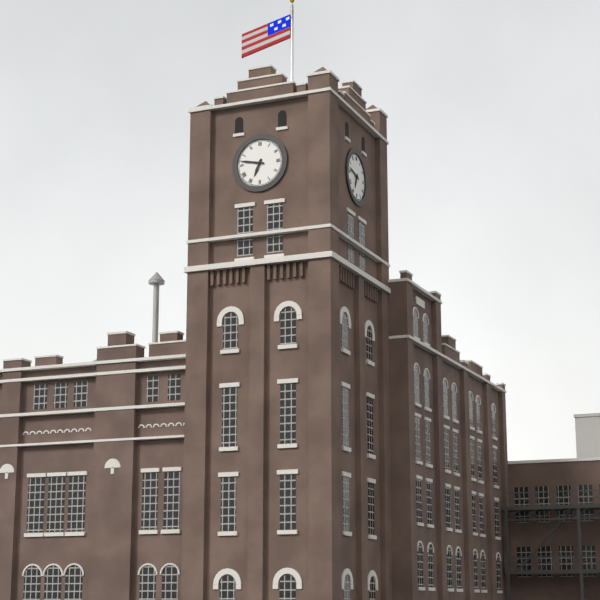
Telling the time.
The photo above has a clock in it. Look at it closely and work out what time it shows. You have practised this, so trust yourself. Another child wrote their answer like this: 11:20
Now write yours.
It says 6:47
